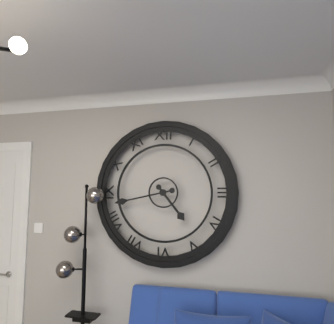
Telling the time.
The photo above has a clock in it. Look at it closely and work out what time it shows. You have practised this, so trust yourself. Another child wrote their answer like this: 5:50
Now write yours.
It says 4:43
